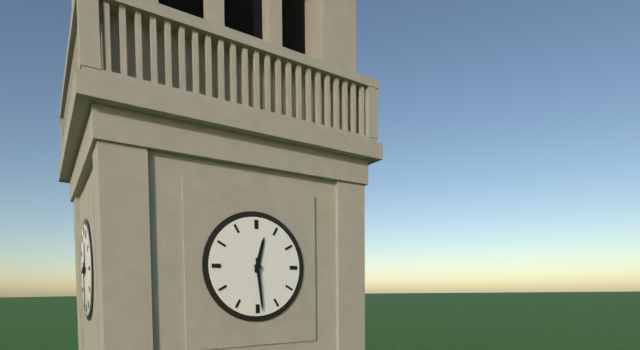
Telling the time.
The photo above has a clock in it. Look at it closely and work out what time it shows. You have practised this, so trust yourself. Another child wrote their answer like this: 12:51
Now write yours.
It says 12:29
